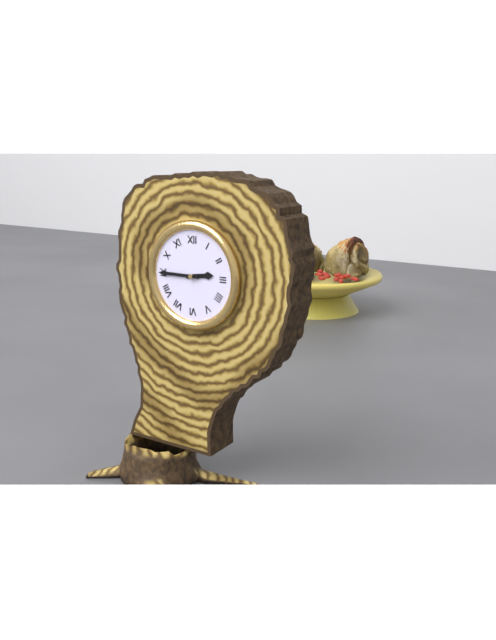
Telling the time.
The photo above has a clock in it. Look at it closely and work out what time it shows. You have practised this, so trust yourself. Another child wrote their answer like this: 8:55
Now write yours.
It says 2:45
